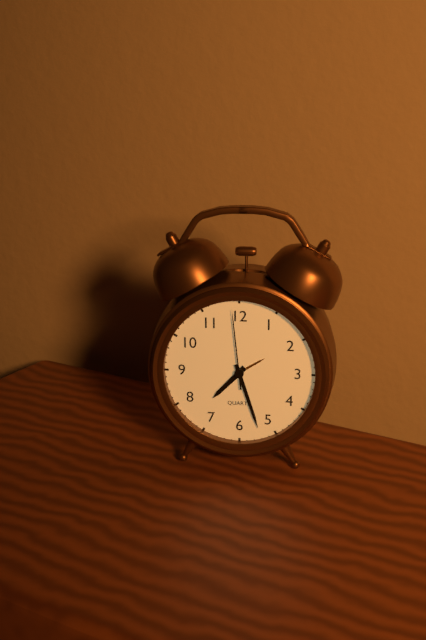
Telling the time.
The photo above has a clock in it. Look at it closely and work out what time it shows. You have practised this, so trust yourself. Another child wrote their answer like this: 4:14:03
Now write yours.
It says 7:27:59
